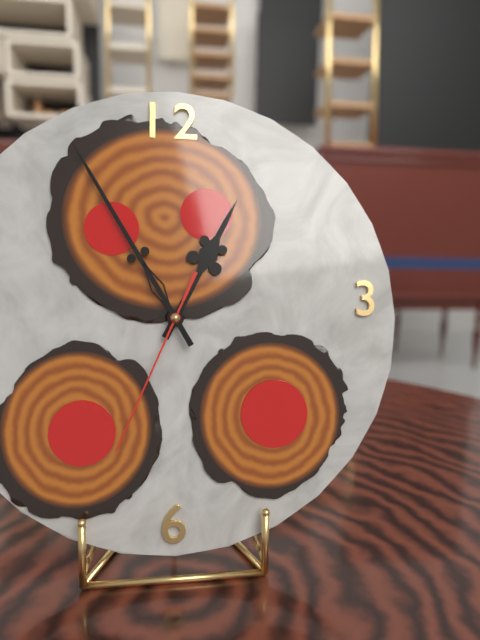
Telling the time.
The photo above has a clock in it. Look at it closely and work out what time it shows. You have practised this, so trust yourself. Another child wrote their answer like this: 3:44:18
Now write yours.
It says 12:55:34
